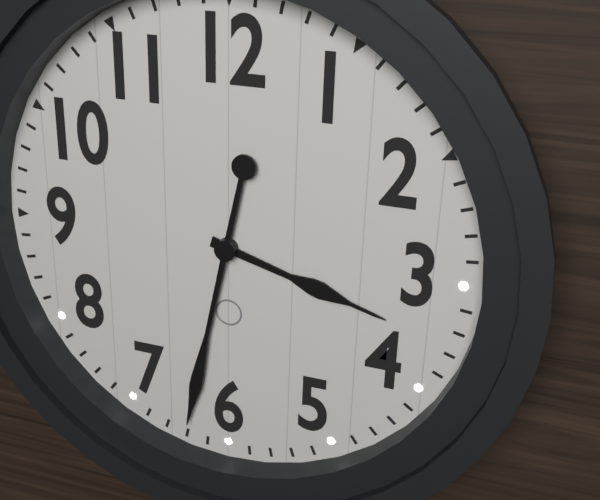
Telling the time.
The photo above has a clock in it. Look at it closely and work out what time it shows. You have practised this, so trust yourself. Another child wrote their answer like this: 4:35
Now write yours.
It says 3:32
